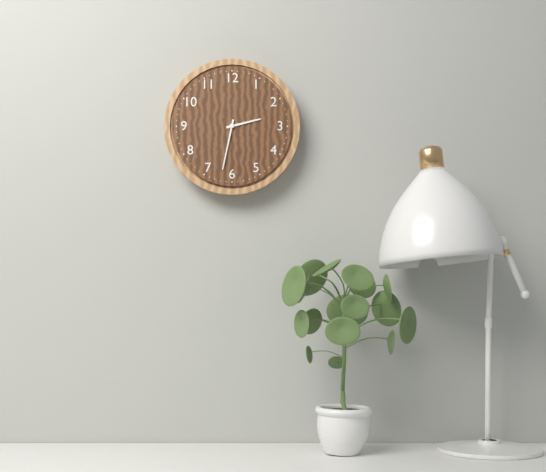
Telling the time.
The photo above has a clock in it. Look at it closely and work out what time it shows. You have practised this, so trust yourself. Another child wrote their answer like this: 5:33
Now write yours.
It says 2:32
